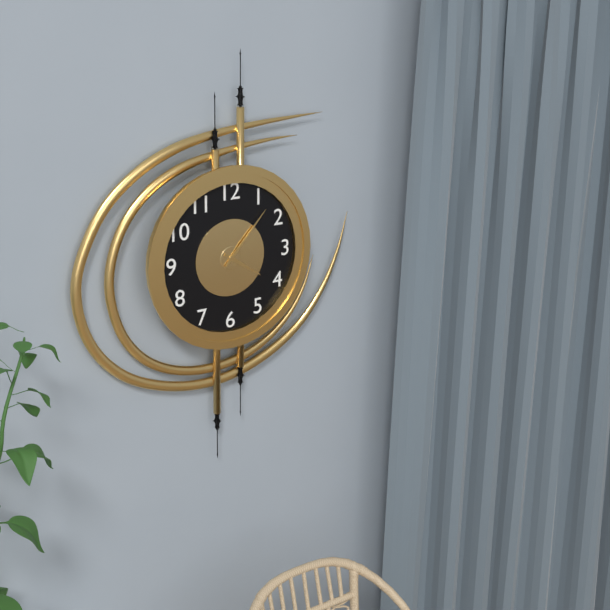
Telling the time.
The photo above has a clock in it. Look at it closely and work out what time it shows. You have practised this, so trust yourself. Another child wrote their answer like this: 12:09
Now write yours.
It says 4:07
